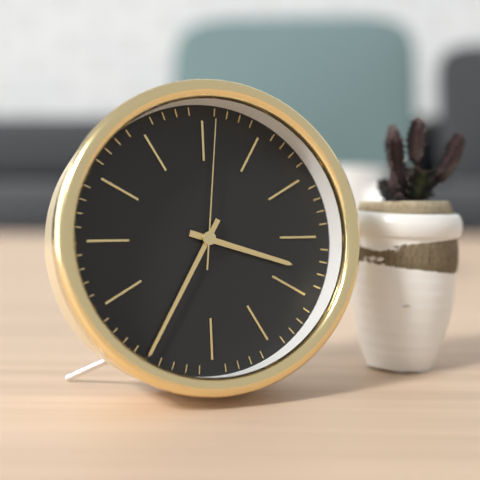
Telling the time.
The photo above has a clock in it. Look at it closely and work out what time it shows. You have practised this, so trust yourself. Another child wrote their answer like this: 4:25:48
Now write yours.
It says 3:35:01
